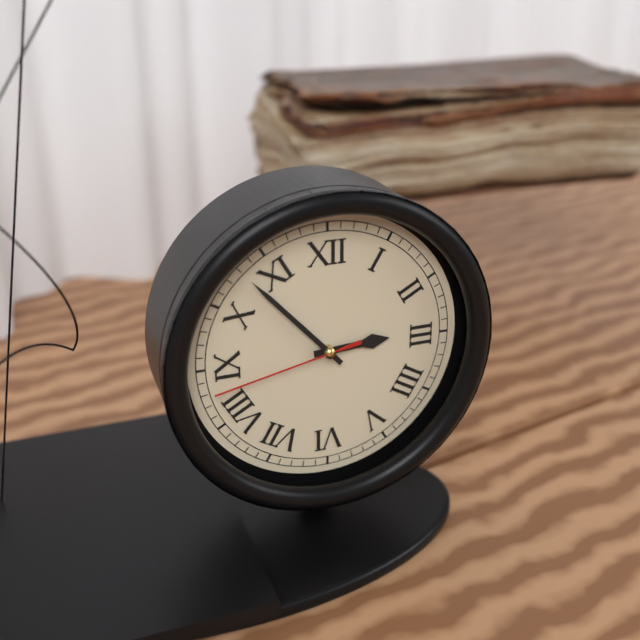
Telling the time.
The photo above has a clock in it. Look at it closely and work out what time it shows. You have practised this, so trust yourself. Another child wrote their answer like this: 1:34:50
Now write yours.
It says 2:53:43
